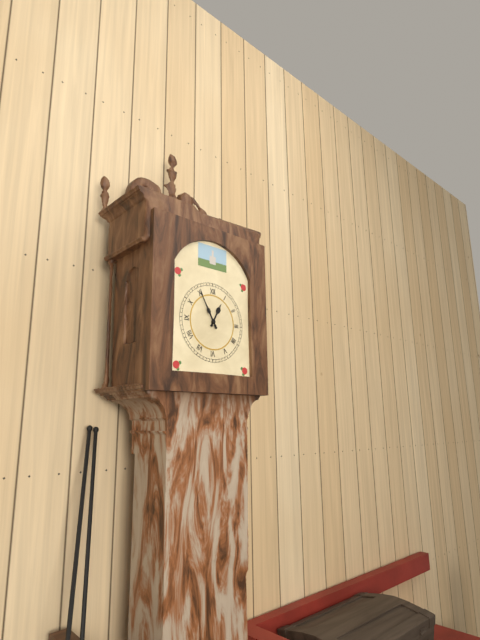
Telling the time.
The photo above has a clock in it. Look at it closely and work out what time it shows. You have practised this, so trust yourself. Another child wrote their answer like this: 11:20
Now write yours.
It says 12:55
